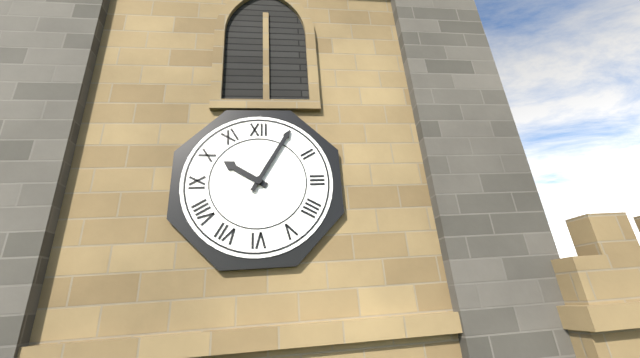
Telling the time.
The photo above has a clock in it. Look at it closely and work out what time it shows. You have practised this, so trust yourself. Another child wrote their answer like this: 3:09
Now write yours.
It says 10:05
